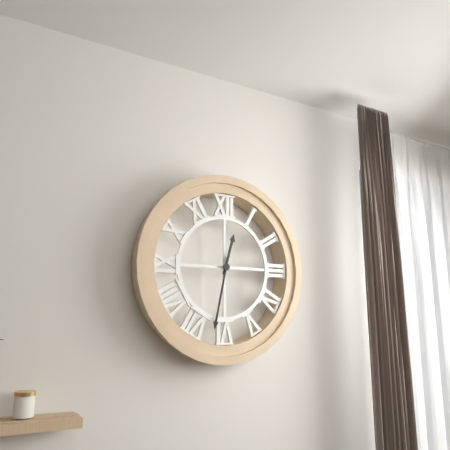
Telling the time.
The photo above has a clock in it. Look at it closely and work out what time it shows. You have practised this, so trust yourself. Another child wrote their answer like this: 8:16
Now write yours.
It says 12:32
